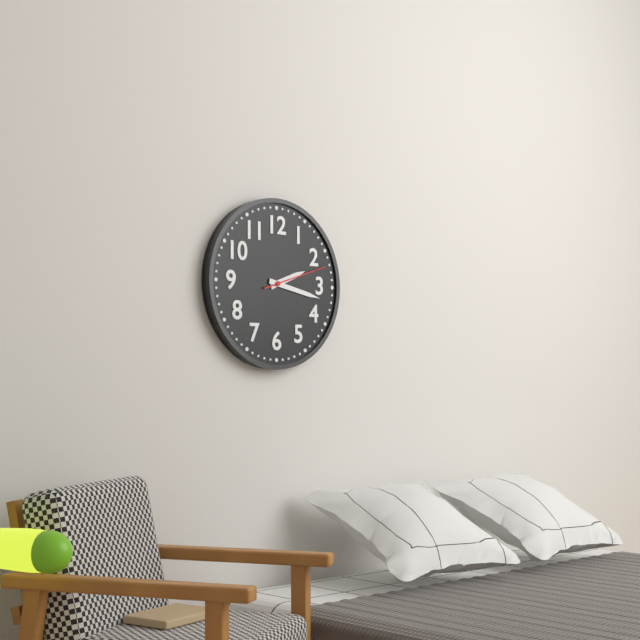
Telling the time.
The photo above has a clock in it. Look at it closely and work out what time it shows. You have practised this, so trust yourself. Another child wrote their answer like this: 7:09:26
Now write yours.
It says 2:17:12
